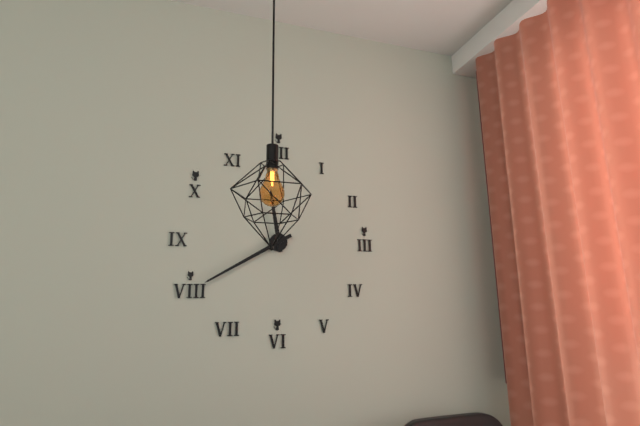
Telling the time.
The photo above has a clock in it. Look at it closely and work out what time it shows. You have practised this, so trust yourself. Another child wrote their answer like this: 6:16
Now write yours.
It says 11:40
